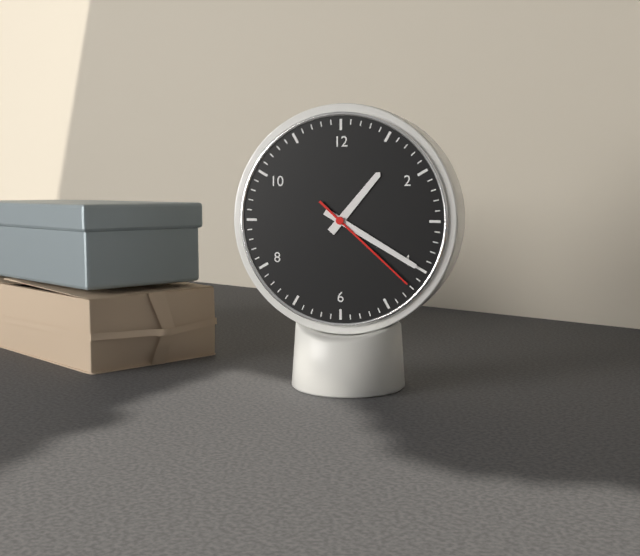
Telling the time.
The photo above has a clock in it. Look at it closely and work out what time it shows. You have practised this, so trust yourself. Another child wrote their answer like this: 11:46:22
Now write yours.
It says 1:20:22
